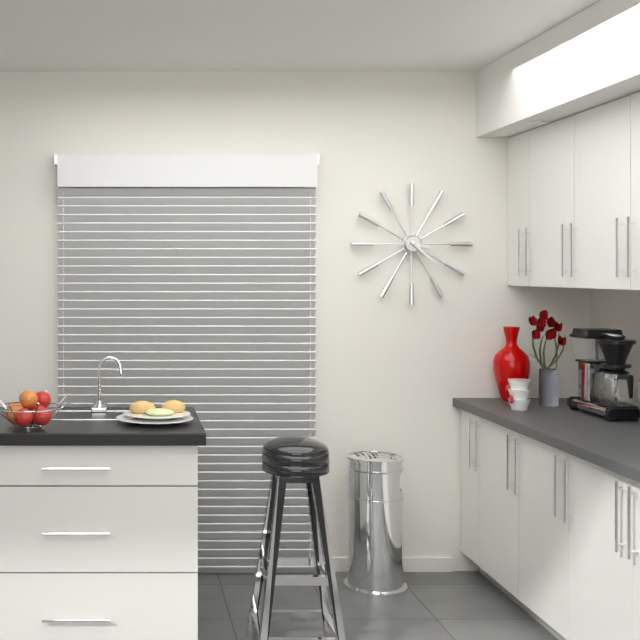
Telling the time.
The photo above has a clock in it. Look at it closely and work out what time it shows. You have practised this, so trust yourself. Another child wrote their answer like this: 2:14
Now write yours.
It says 3:22
